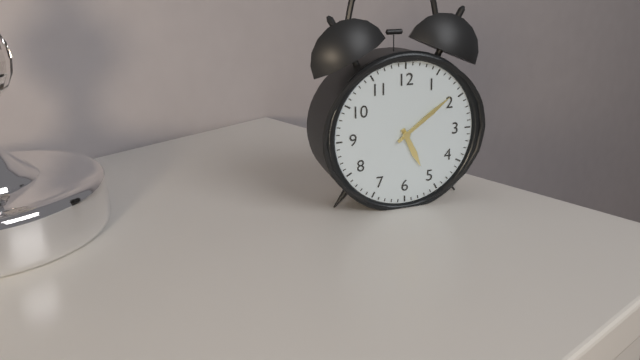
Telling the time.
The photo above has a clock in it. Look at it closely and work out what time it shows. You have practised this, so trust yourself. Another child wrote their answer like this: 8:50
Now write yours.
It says 5:09
